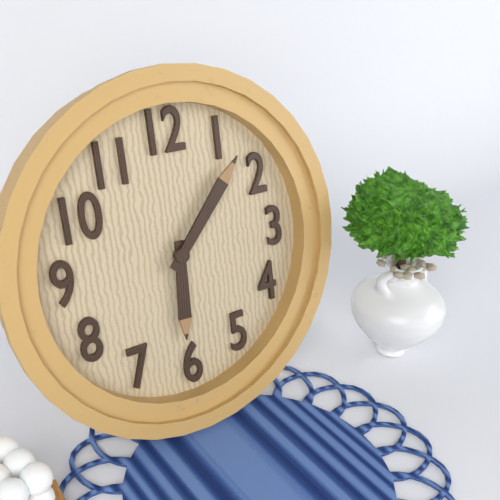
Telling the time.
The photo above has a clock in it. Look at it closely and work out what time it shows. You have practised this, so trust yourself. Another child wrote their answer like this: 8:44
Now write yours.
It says 6:07
